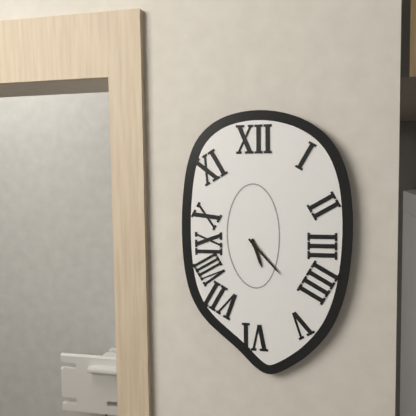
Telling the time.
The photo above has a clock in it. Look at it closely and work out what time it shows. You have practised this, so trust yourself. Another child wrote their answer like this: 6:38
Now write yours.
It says 5:23
